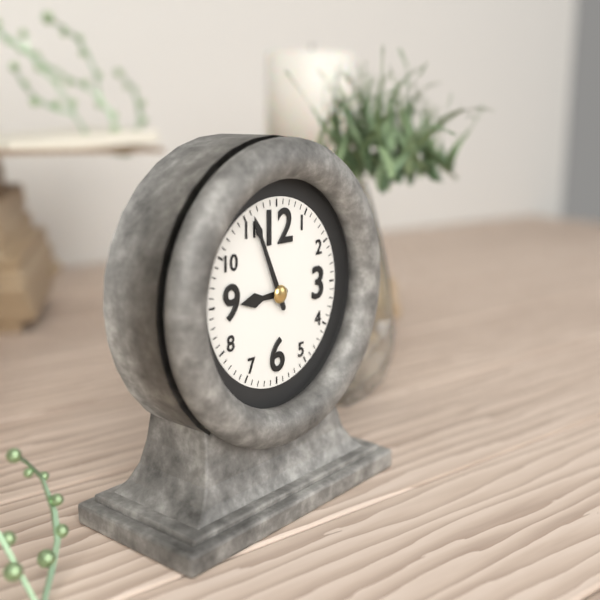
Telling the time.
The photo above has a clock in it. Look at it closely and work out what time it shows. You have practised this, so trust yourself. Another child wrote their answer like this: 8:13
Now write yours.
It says 8:56
